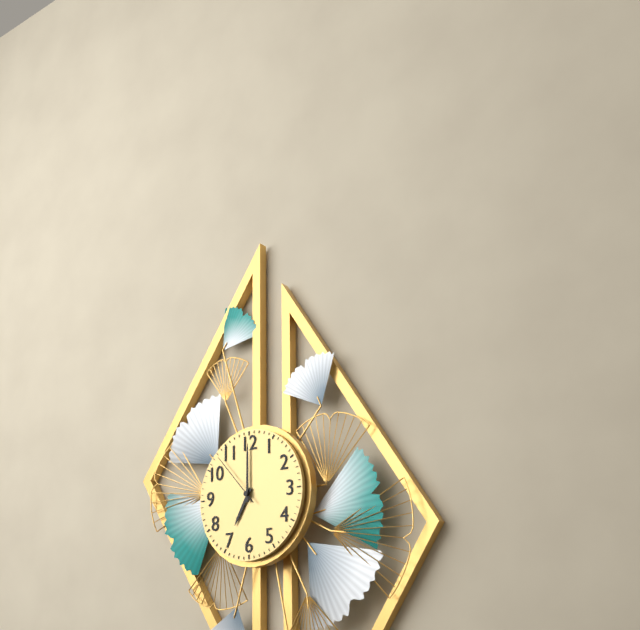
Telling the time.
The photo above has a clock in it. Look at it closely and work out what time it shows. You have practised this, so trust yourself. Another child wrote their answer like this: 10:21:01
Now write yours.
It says 7:00:53
